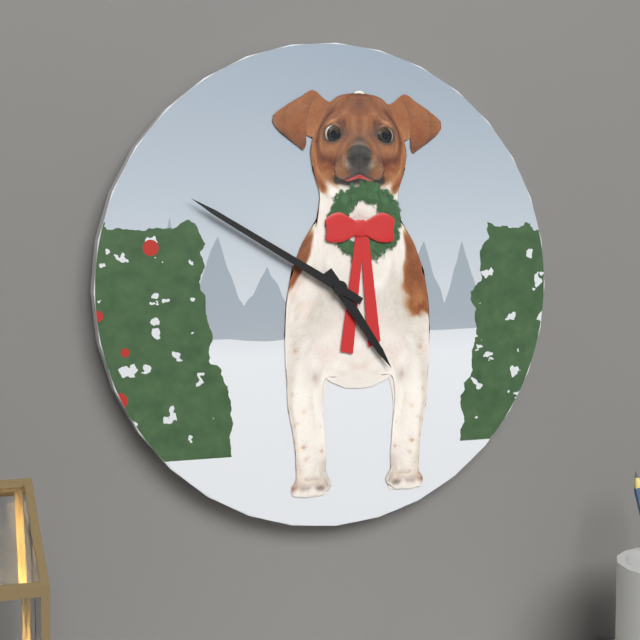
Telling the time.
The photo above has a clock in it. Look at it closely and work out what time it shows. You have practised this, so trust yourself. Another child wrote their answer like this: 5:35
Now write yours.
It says 4:50
